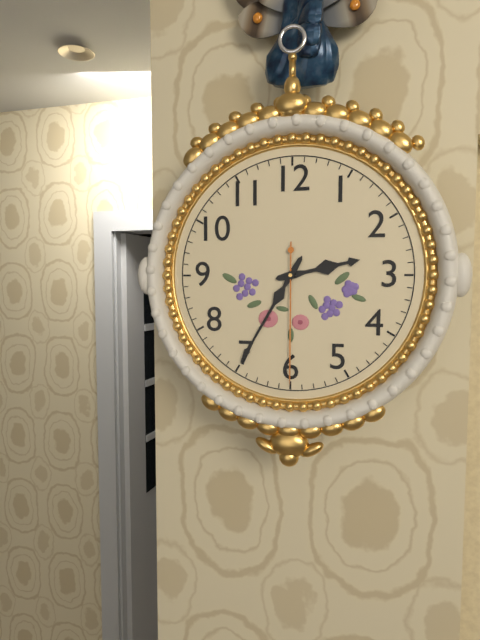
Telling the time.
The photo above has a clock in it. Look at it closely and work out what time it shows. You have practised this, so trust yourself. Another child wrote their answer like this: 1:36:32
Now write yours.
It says 2:35:30
